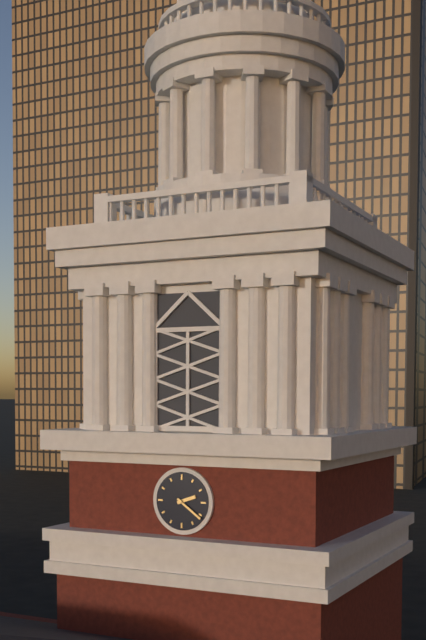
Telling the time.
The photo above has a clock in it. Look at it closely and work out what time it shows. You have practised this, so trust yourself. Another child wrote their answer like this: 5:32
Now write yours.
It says 2:21
